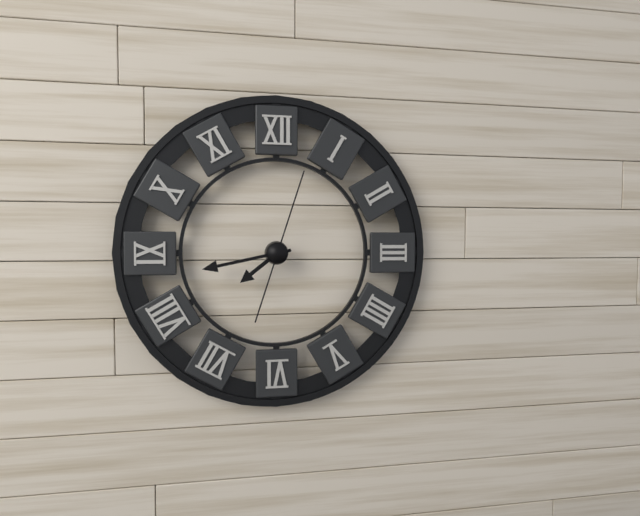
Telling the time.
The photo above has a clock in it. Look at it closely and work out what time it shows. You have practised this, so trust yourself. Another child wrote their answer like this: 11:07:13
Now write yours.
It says 7:43:03
